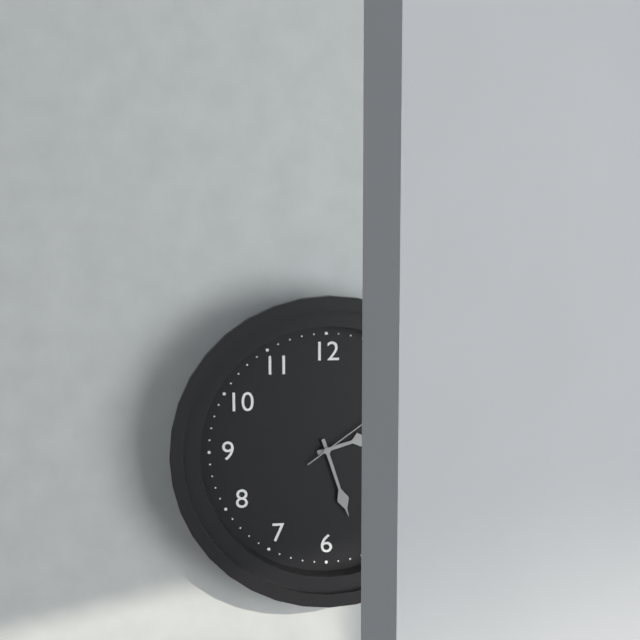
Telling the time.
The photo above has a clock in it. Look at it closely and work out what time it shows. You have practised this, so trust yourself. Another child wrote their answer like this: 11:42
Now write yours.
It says 2:27
